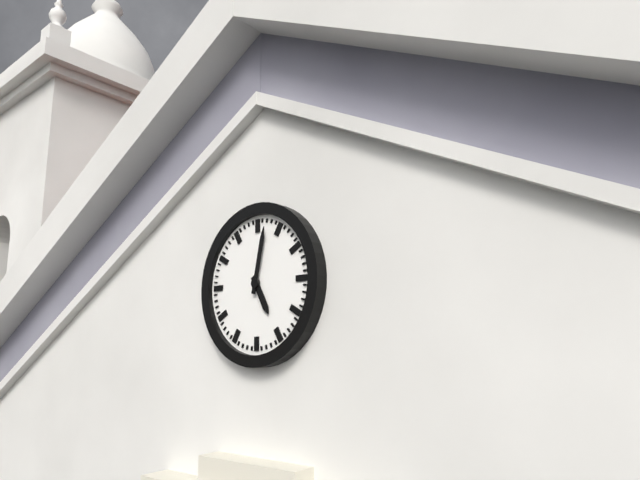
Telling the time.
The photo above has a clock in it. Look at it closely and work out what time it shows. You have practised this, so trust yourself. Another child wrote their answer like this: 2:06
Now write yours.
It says 5:02
